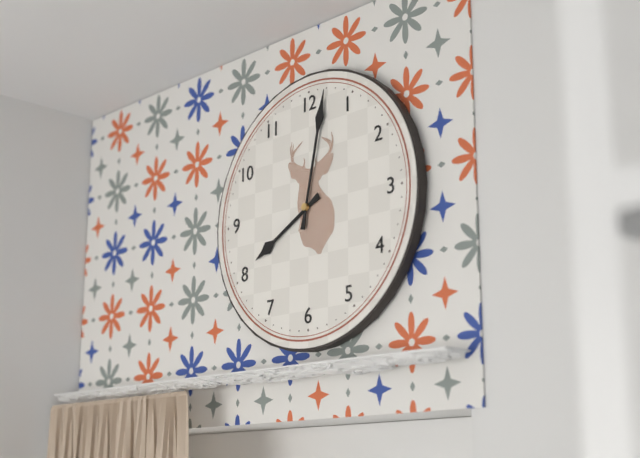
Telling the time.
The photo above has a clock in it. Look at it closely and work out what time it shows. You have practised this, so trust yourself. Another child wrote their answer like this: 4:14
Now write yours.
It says 8:02
